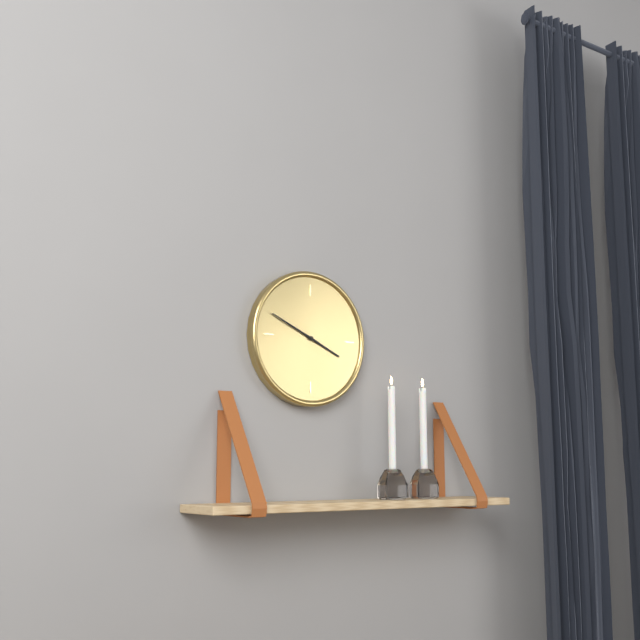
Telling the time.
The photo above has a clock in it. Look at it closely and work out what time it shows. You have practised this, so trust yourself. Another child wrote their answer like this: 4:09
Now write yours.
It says 3:49
